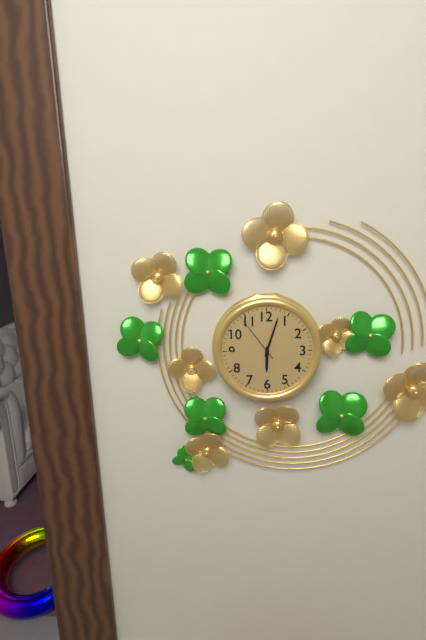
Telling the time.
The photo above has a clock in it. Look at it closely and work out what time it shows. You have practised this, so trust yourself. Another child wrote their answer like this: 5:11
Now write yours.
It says 6:03
